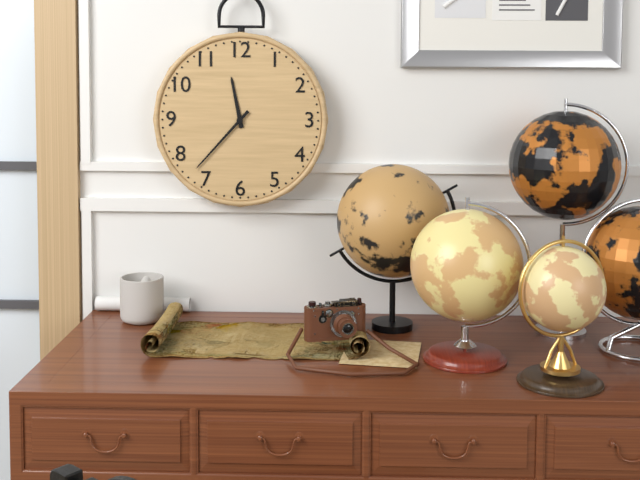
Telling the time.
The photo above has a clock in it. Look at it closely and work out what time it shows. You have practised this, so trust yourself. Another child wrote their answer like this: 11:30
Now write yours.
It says 11:37
